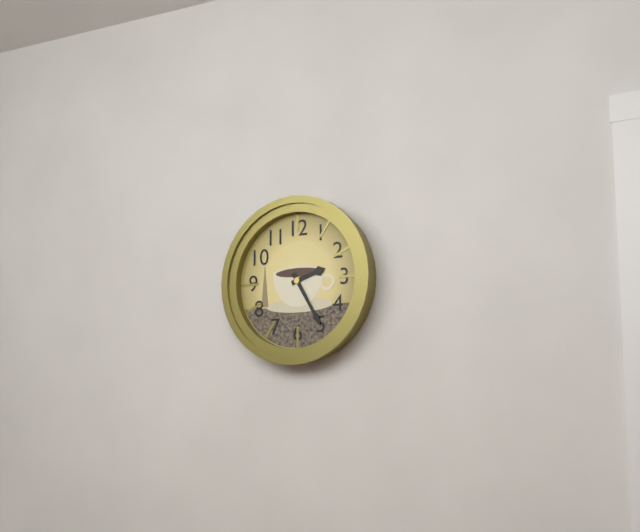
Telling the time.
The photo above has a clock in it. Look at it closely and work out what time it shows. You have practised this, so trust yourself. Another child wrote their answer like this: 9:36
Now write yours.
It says 2:25
